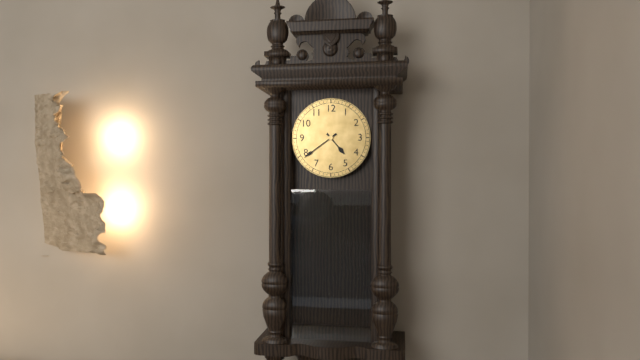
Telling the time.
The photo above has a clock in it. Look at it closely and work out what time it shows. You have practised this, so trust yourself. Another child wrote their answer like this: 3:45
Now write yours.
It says 4:39
